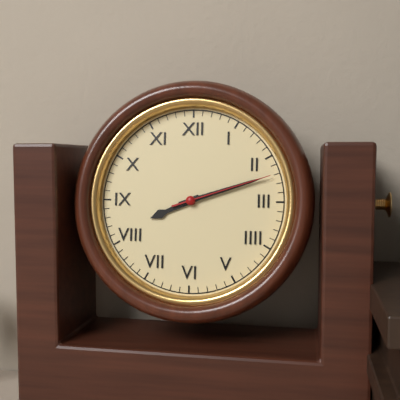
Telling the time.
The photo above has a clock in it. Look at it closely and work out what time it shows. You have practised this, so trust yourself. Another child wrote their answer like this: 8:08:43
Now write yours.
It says 8:12:12
